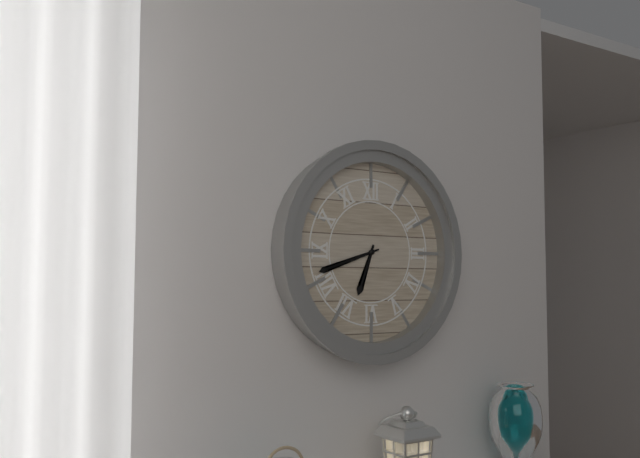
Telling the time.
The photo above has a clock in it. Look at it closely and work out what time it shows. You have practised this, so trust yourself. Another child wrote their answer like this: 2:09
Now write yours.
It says 6:42
